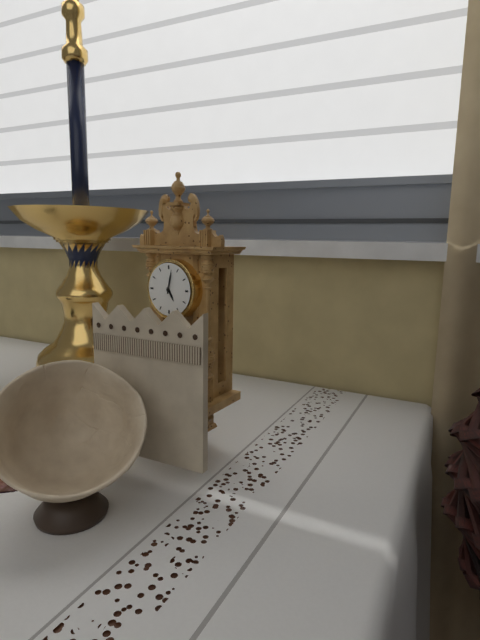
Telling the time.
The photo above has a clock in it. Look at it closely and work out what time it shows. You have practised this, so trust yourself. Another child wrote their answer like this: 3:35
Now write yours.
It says 5:02
